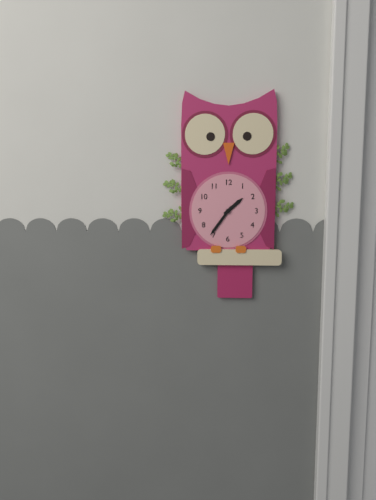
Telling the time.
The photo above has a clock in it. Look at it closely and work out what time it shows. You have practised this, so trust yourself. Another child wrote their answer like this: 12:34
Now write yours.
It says 1:36
